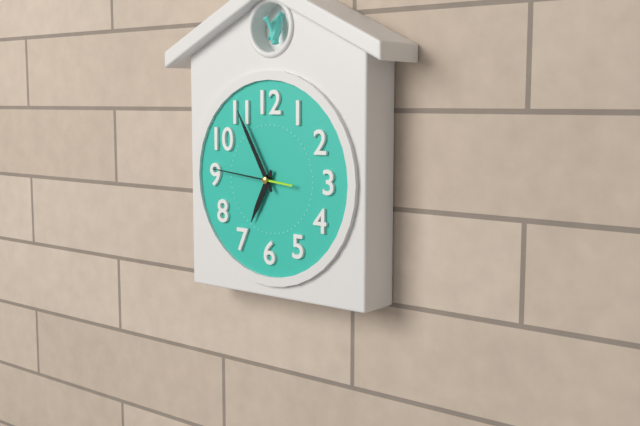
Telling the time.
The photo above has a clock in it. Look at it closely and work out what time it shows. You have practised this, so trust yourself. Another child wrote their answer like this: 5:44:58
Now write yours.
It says 6:55:46
